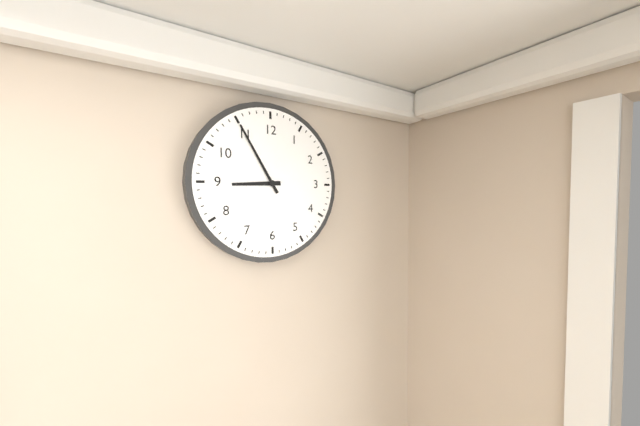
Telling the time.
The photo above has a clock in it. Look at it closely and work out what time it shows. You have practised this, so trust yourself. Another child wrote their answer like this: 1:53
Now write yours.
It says 8:55
